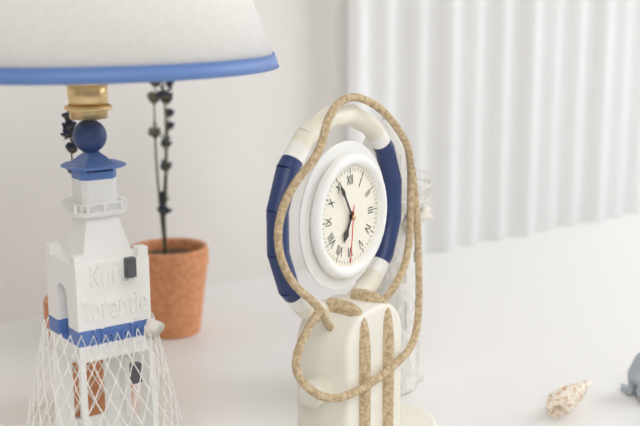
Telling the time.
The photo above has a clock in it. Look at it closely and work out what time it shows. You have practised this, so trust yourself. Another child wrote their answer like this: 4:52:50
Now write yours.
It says 6:55:31
